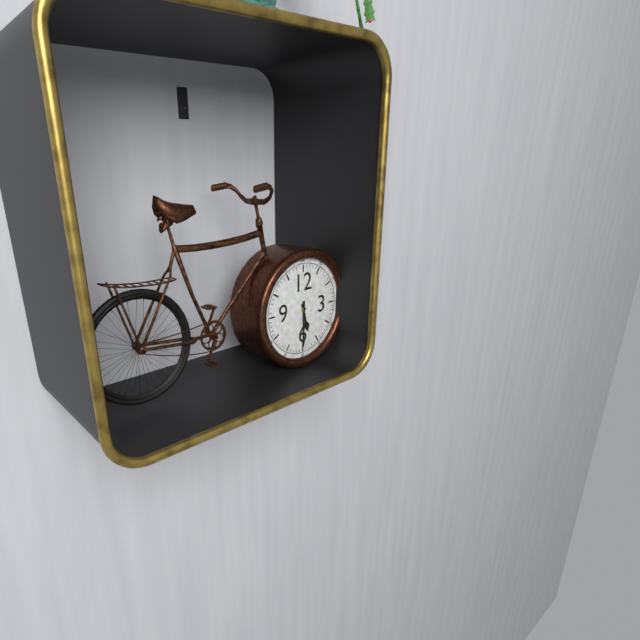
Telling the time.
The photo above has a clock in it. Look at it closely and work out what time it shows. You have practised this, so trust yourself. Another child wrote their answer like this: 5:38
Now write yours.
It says 5:30
